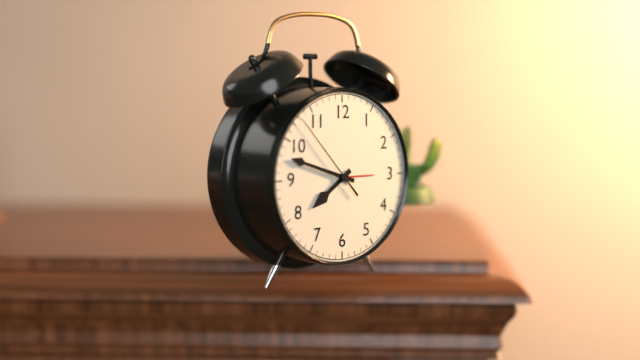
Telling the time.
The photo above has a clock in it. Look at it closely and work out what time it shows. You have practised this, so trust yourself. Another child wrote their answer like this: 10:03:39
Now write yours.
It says 7:48:53
